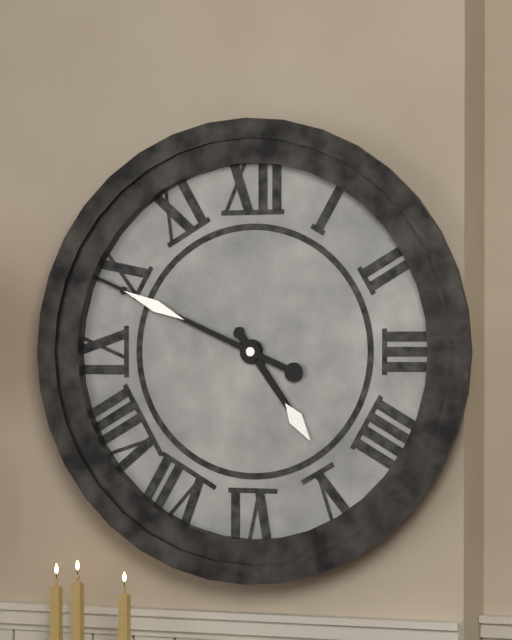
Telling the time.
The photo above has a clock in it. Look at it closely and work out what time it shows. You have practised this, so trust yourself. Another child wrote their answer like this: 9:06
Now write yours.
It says 4:49
